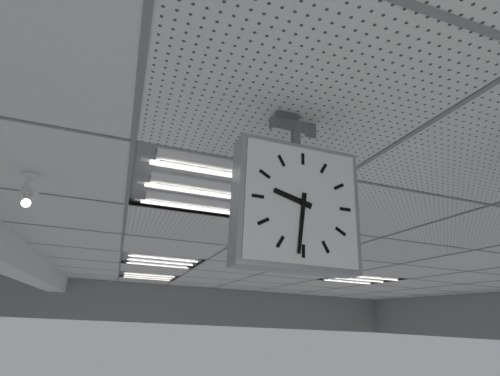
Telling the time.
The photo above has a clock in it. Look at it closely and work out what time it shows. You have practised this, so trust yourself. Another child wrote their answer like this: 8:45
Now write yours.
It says 9:31
